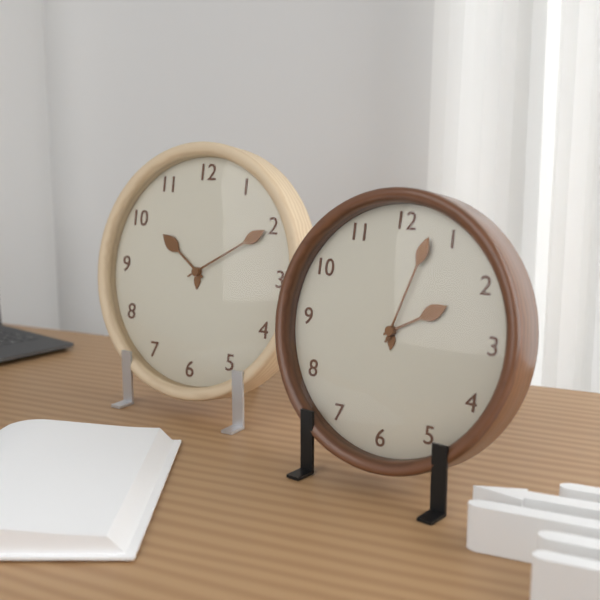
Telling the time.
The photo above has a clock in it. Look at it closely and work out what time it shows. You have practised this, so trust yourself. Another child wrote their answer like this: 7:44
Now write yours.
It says 2:03
